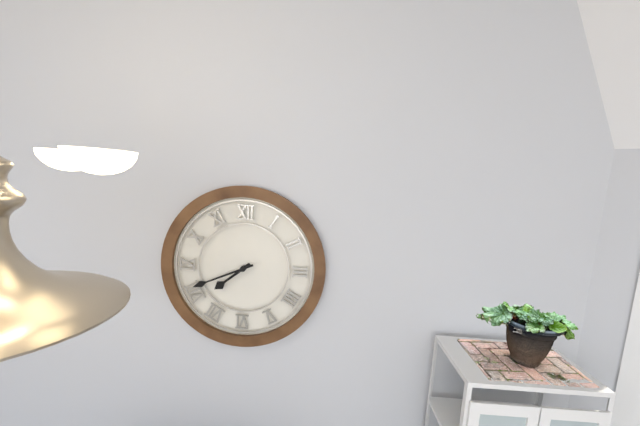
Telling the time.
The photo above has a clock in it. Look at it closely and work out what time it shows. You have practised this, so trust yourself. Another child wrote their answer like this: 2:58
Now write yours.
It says 7:41
